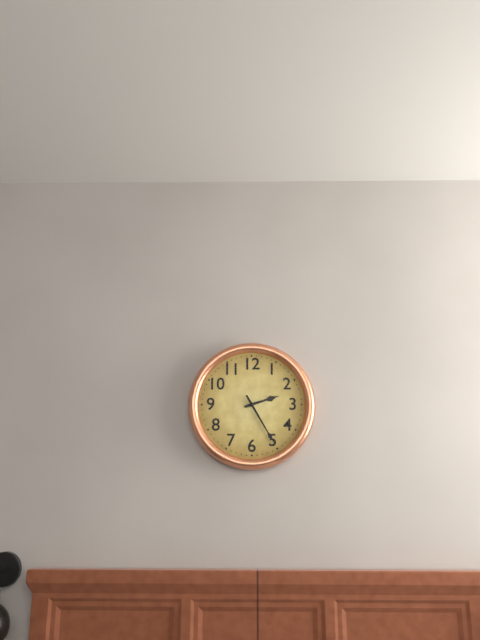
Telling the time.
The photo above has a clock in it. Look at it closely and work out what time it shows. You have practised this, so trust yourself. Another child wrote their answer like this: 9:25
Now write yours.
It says 2:25
